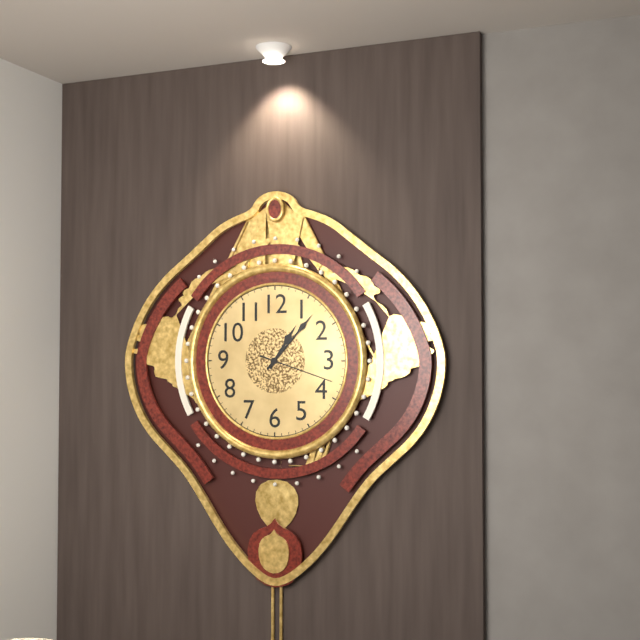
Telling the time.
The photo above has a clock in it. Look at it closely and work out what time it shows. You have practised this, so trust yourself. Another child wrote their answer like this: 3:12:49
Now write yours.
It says 1:07:18
